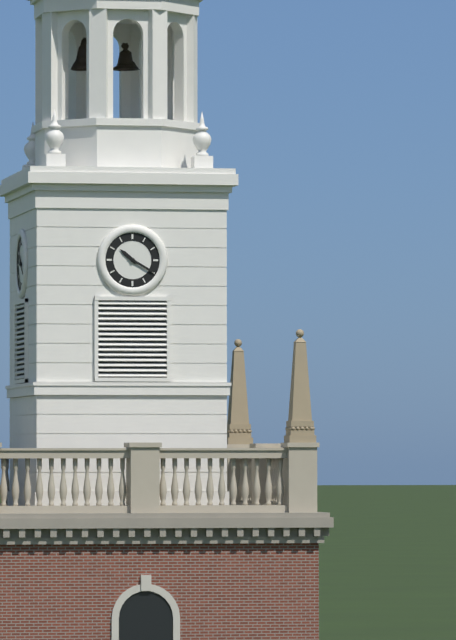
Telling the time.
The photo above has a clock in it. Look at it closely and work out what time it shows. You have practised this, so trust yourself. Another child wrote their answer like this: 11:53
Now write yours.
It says 10:20
